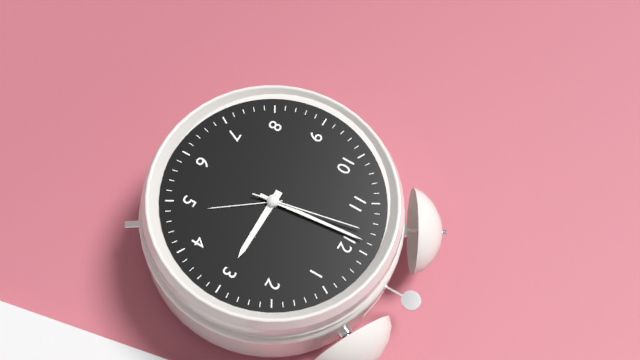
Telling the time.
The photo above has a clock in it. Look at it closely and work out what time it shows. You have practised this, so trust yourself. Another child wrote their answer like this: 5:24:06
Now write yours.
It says 2:59:58
